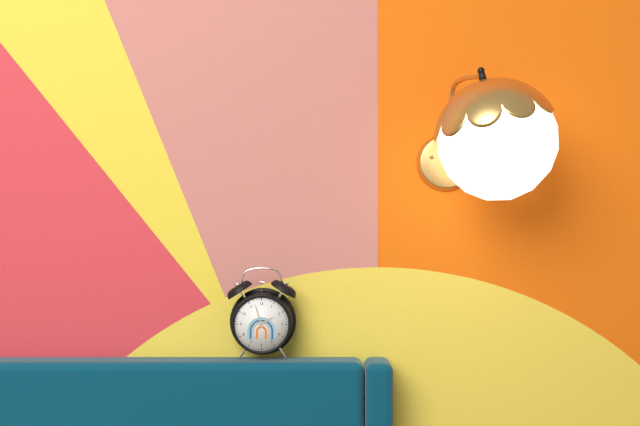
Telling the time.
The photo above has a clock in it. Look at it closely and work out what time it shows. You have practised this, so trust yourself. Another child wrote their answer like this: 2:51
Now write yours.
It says 1:57
